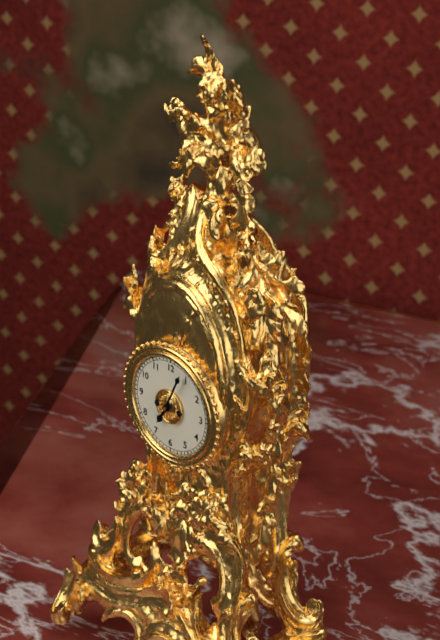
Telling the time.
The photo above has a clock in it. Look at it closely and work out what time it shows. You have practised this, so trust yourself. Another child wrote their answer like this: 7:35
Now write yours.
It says 7:04
